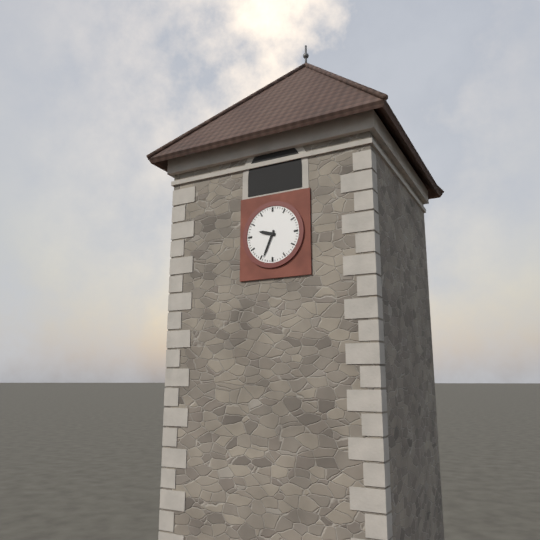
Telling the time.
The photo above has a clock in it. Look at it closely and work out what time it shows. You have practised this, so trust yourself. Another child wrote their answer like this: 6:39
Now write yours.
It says 9:34
